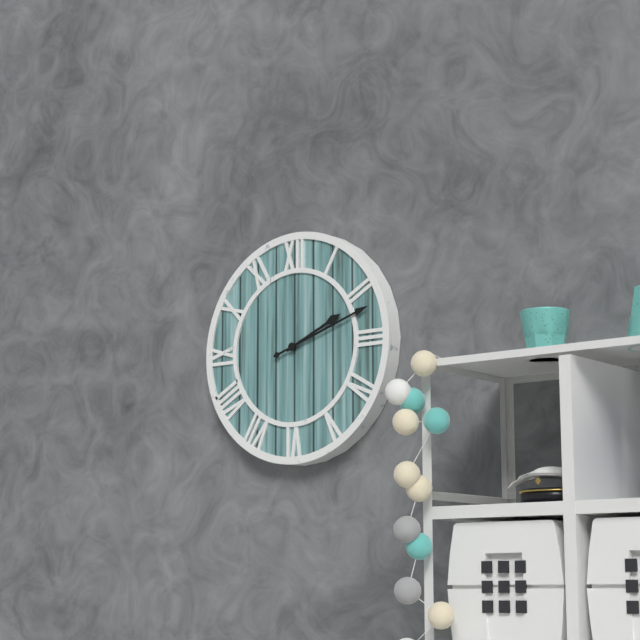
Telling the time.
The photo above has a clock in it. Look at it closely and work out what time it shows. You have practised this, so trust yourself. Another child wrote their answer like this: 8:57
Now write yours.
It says 2:12
